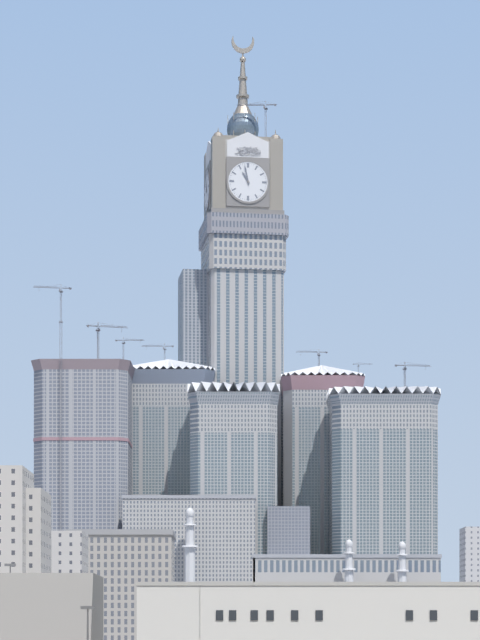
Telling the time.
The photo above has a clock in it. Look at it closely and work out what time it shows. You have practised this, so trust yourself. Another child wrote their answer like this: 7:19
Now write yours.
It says 10:58
